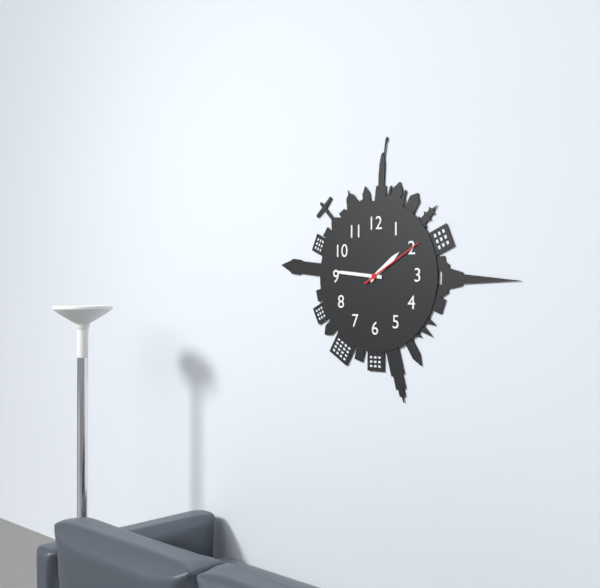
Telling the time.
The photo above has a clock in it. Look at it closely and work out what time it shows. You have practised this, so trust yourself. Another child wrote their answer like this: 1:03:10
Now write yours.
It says 1:46:10
